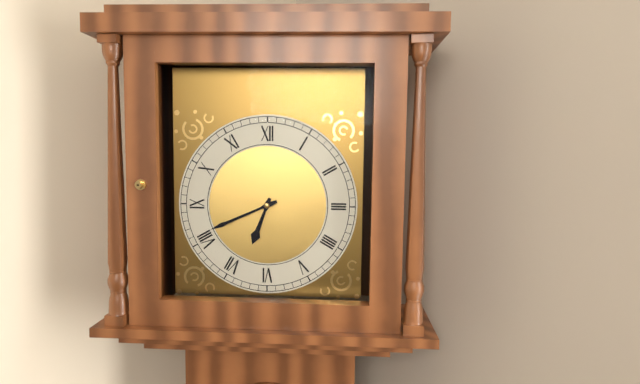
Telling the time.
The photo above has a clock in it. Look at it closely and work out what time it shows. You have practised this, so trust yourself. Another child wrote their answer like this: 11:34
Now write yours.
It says 6:41
